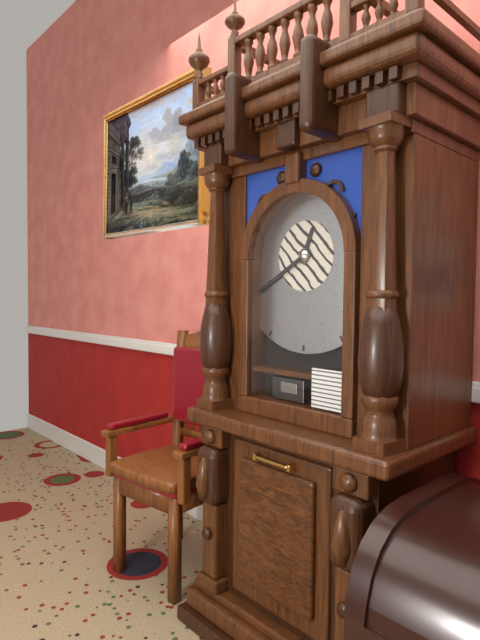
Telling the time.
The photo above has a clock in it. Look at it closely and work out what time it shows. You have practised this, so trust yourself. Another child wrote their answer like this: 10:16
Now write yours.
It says 12:40
